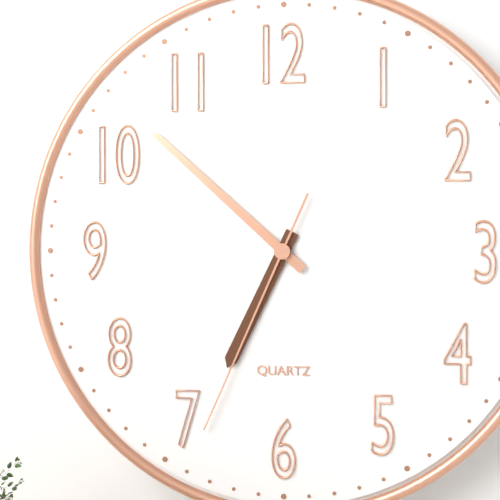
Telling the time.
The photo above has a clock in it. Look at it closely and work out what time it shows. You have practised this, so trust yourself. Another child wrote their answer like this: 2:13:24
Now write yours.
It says 6:52:34
